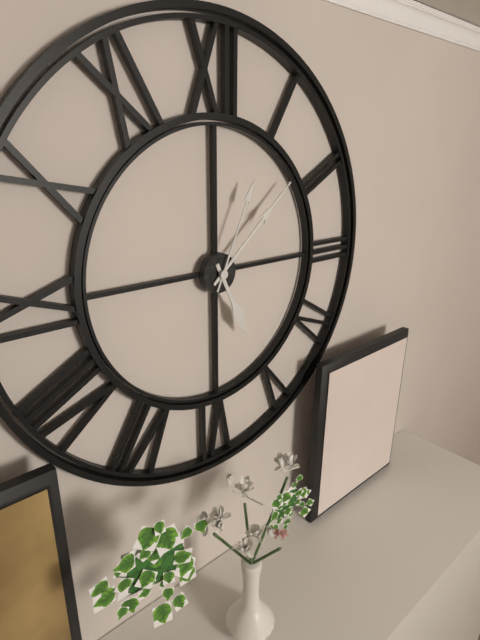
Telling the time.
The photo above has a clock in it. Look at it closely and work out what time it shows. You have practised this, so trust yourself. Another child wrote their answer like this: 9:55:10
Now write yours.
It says 5:08:04
